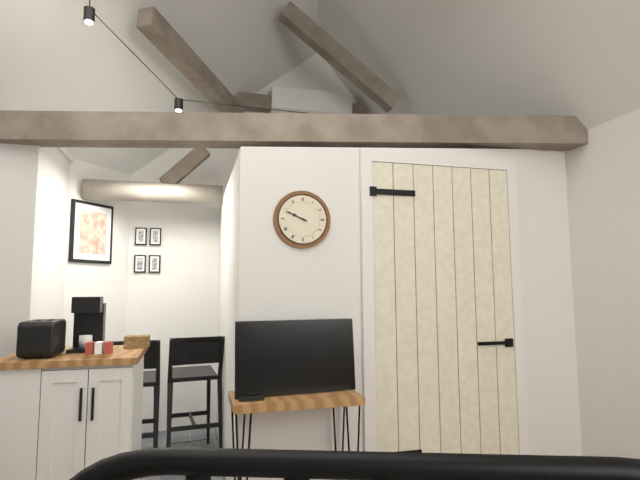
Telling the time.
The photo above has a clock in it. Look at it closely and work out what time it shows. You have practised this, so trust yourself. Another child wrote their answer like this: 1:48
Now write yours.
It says 9:49
